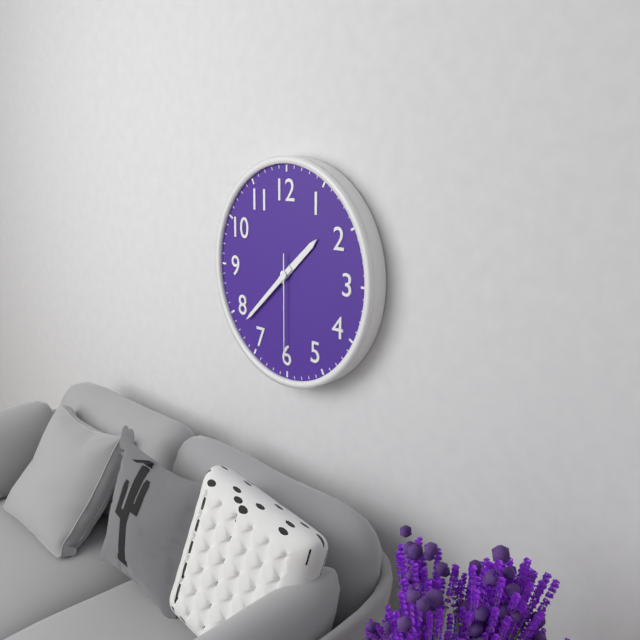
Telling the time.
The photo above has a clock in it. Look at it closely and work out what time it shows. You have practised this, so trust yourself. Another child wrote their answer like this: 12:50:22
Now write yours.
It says 1:38:30
